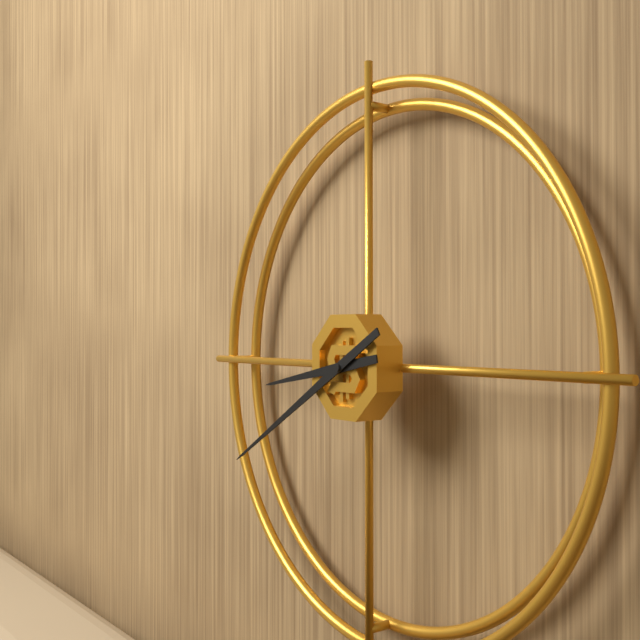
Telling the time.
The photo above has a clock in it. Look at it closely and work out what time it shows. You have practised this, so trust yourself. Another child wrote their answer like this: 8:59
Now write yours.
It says 8:40
